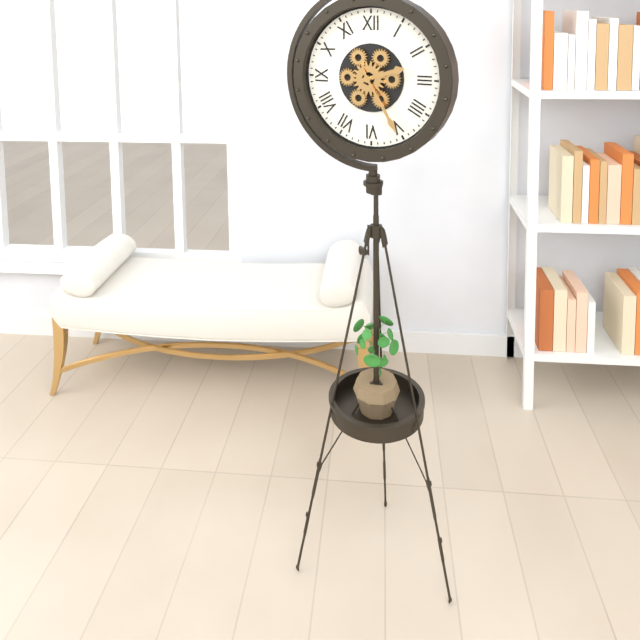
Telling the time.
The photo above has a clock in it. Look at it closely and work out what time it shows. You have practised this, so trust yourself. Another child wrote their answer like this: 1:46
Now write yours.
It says 2:25
